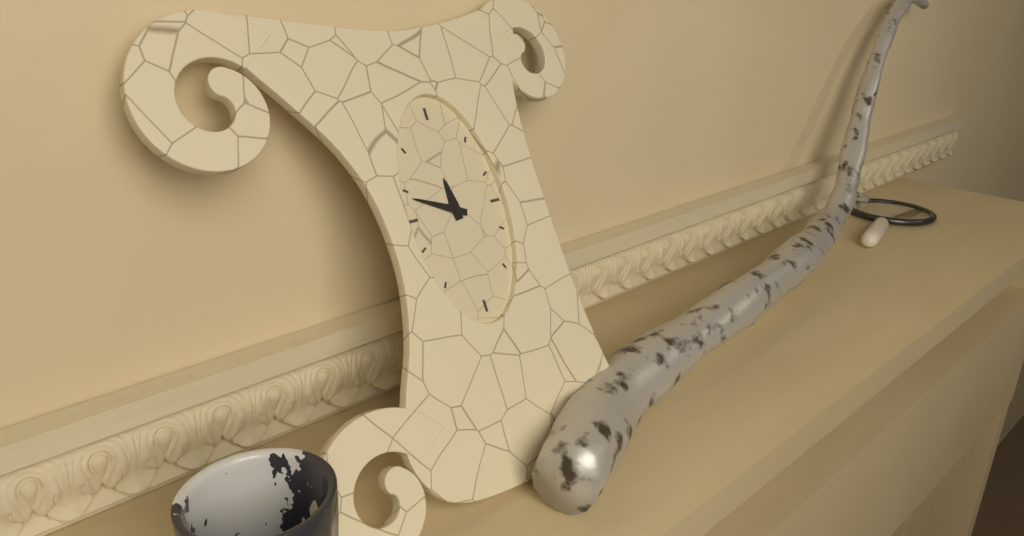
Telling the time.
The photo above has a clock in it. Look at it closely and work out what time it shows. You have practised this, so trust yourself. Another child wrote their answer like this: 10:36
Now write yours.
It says 11:49
